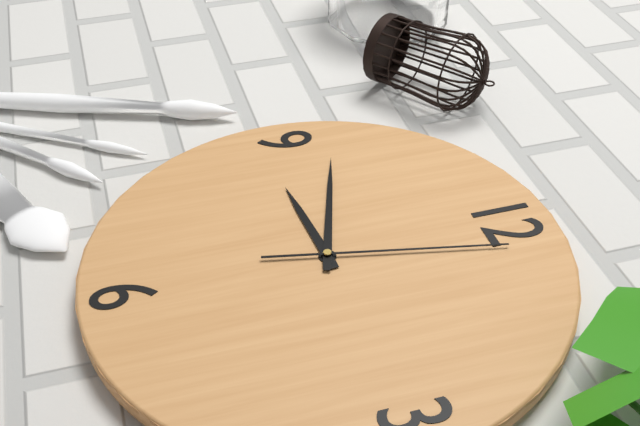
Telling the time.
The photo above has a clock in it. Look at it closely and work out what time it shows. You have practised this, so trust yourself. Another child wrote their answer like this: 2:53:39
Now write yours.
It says 8:48:02
